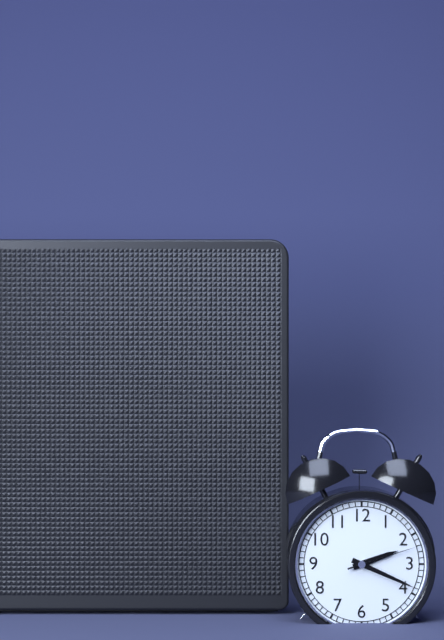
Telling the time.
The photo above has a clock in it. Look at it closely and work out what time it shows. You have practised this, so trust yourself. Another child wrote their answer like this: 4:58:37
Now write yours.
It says 2:19:12
